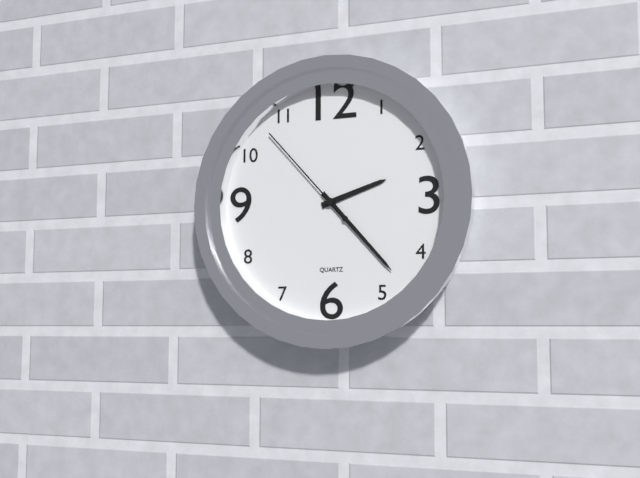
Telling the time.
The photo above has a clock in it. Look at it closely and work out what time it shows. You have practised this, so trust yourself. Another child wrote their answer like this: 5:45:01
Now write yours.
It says 2:23:53
